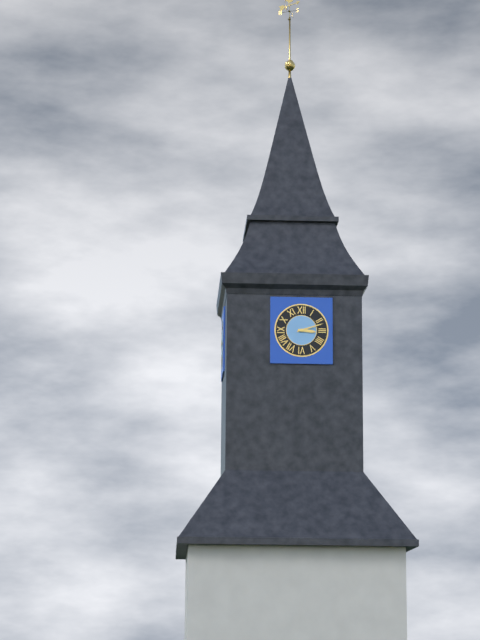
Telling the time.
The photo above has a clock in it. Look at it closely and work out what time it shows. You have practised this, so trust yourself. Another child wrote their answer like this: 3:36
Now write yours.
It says 3:12
